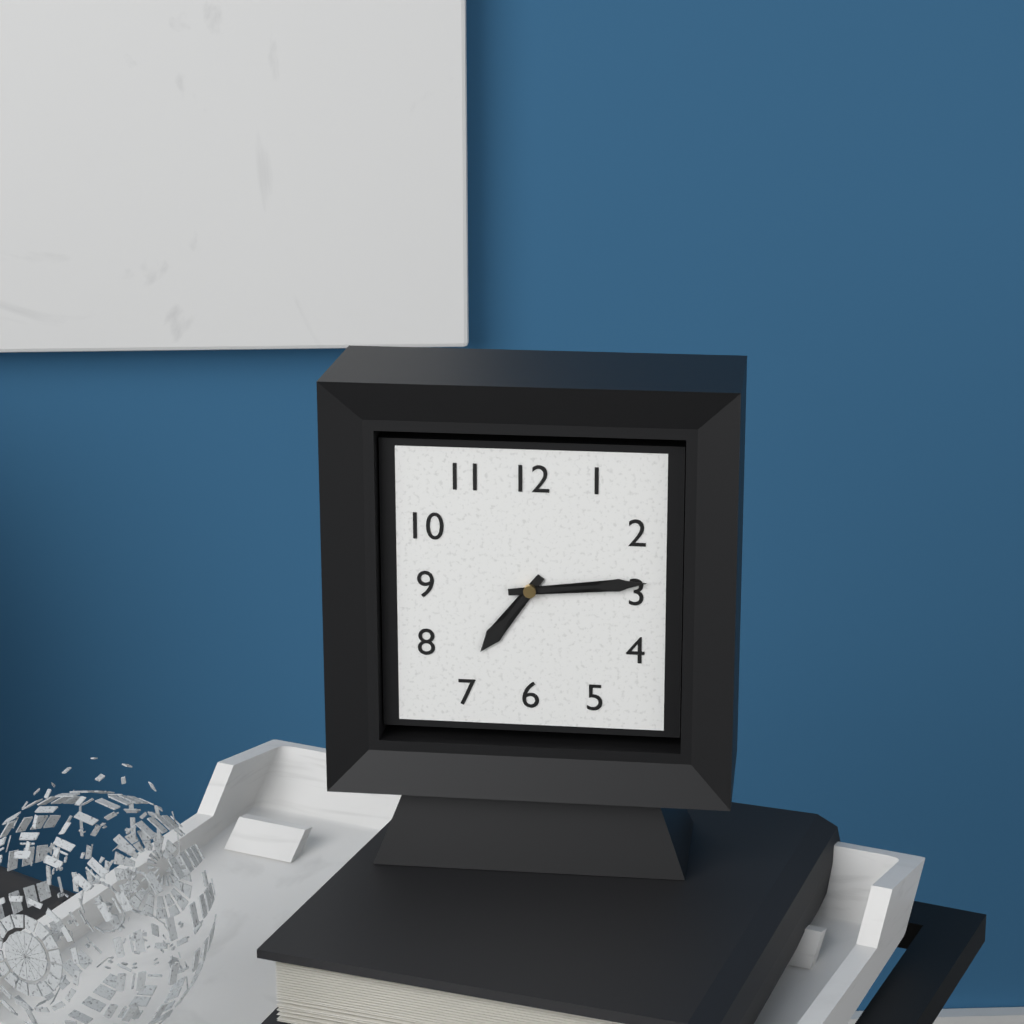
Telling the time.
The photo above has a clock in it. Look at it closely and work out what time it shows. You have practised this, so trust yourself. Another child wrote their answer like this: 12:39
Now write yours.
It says 7:14
